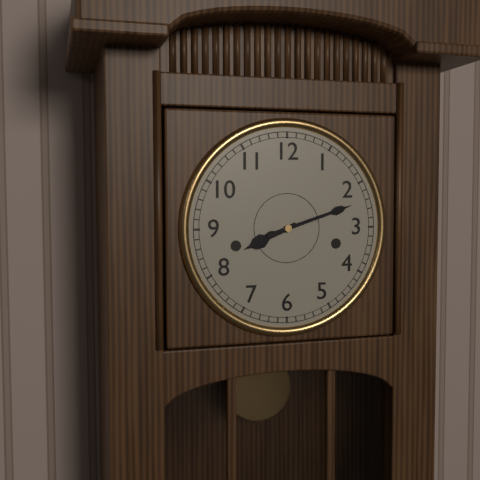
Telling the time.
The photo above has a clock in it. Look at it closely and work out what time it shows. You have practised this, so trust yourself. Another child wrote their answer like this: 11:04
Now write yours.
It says 8:12
